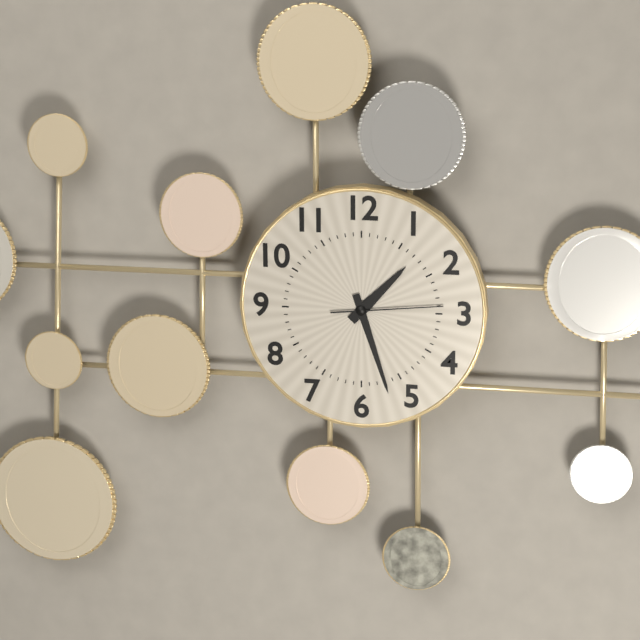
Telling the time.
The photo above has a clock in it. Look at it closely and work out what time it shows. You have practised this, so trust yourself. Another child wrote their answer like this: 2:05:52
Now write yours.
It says 1:27:14
